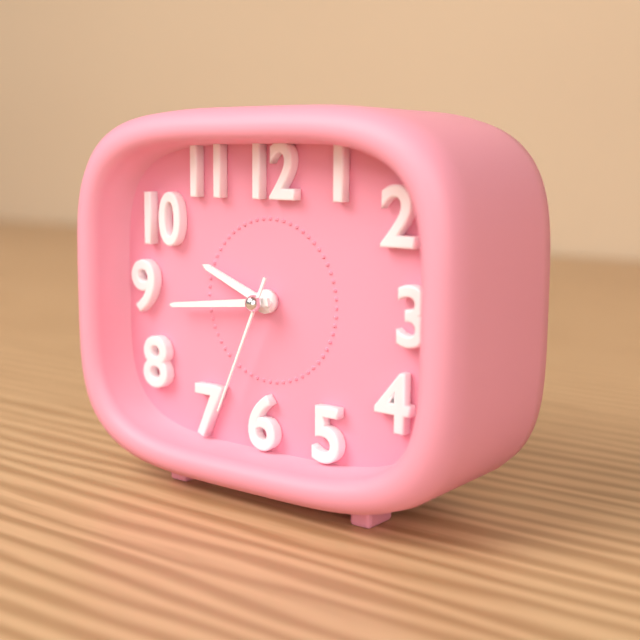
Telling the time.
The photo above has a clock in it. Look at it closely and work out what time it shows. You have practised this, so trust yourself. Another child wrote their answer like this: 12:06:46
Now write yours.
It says 9:44:34
